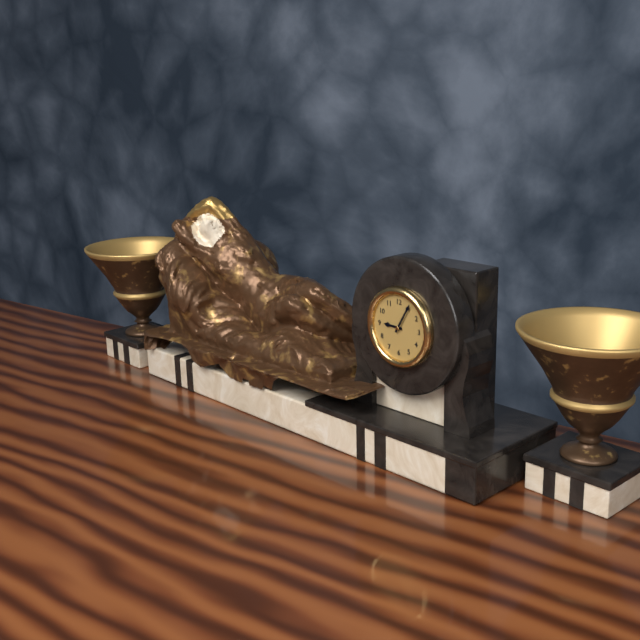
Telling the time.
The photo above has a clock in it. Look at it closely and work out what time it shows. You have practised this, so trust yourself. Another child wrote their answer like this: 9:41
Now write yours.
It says 9:05
